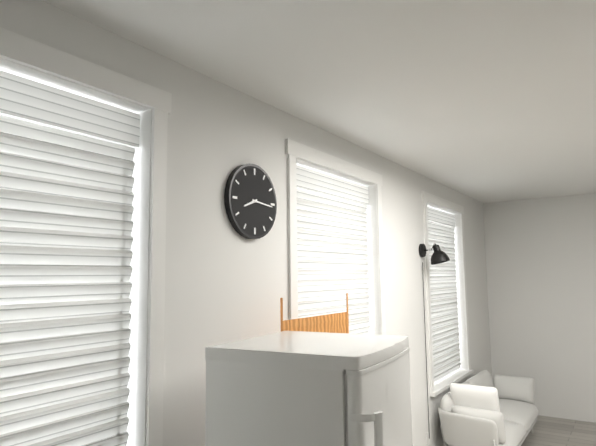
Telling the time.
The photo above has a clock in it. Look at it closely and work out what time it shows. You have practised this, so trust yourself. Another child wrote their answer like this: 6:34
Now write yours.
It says 8:16
